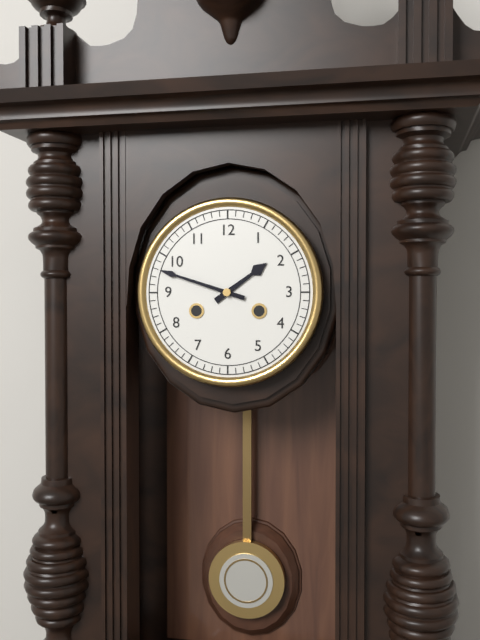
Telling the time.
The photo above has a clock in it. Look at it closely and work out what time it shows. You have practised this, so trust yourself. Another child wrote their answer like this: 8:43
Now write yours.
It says 1:48
